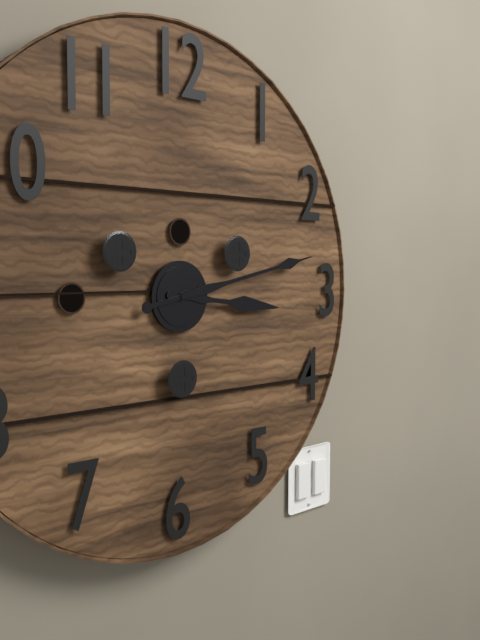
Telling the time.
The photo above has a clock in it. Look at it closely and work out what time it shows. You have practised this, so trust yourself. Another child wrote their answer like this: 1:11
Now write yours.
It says 3:13
